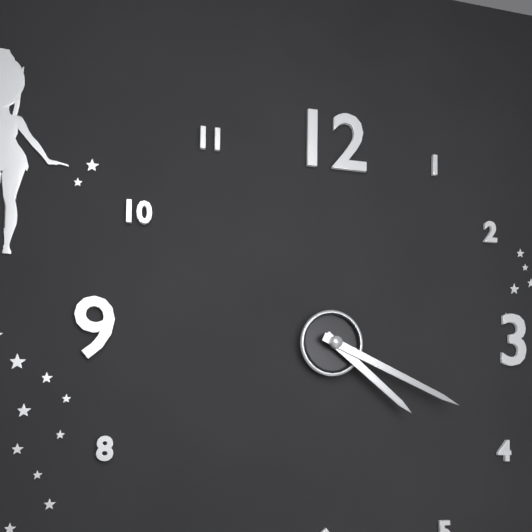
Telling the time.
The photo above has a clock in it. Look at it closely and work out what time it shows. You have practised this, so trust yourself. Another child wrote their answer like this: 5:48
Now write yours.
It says 4:19
